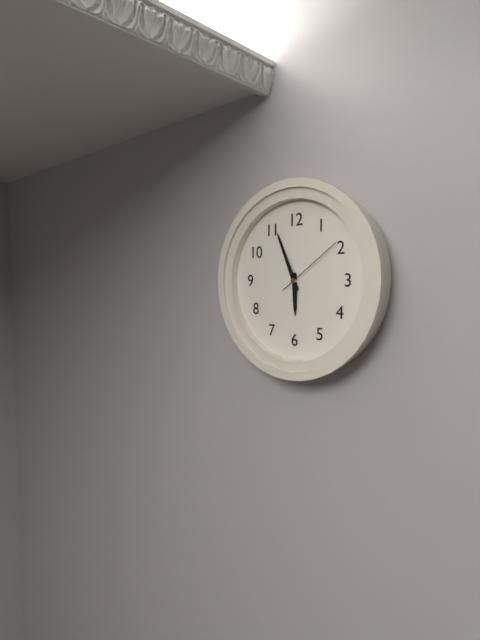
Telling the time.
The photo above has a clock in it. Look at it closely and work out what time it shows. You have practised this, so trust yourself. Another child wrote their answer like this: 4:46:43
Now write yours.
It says 5:56:09
